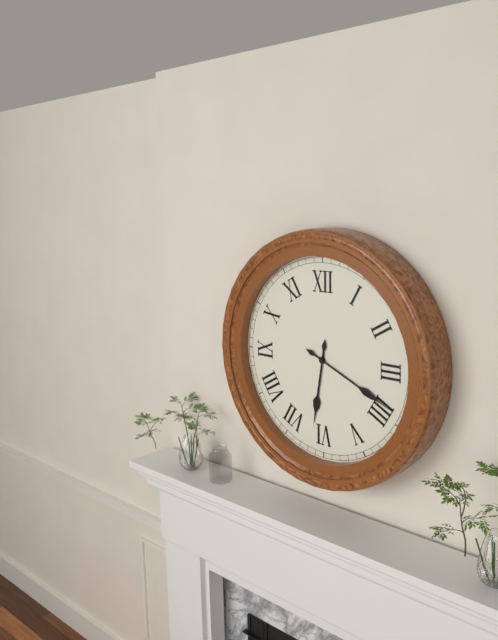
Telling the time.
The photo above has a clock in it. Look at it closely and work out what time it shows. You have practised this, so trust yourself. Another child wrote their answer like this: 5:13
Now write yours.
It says 6:19
